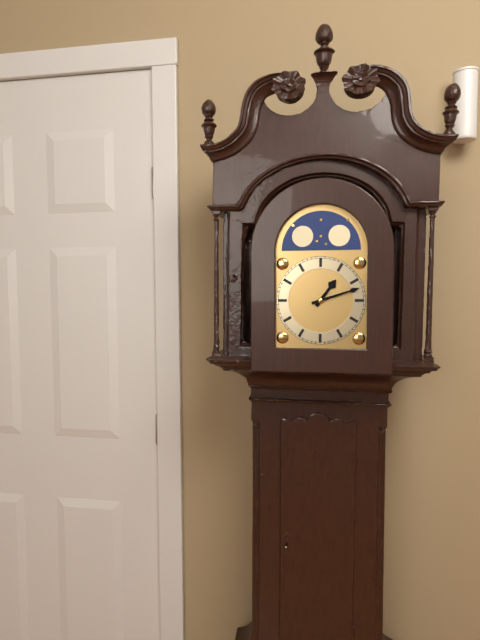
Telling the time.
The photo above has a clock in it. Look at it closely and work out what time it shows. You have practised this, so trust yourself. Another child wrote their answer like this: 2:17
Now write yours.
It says 1:12
